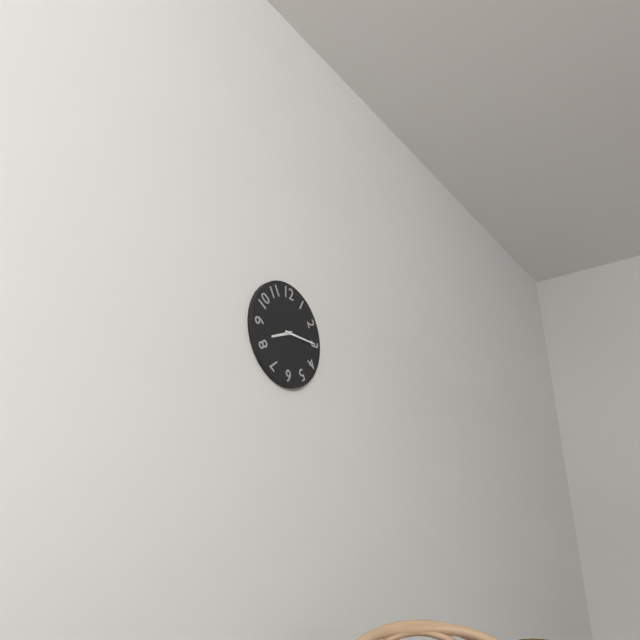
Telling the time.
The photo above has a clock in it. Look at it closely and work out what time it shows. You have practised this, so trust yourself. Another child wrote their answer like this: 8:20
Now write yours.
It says 8:15
